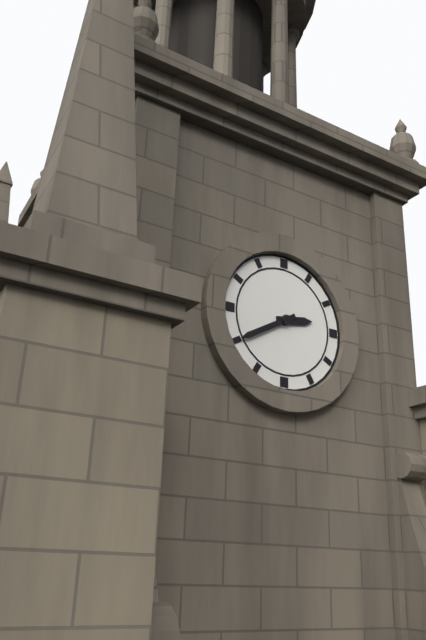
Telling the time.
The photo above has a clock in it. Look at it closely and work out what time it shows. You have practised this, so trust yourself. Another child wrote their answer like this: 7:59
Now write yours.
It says 2:40
